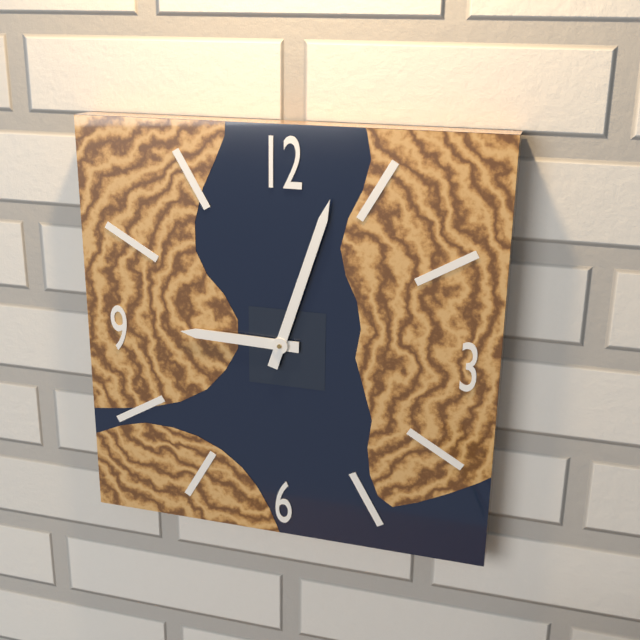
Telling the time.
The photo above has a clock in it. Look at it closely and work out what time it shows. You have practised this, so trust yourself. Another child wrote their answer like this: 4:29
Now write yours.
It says 9:03
